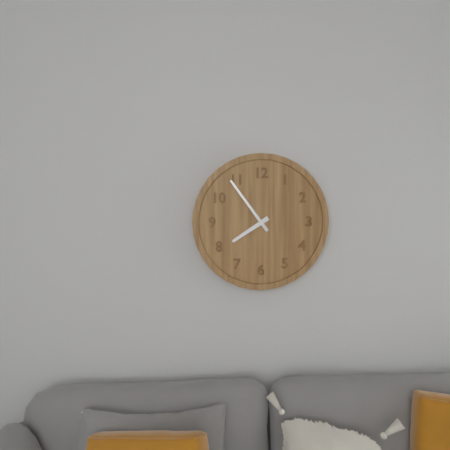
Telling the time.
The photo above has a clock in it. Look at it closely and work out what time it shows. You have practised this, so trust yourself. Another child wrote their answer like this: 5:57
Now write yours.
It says 7:54
